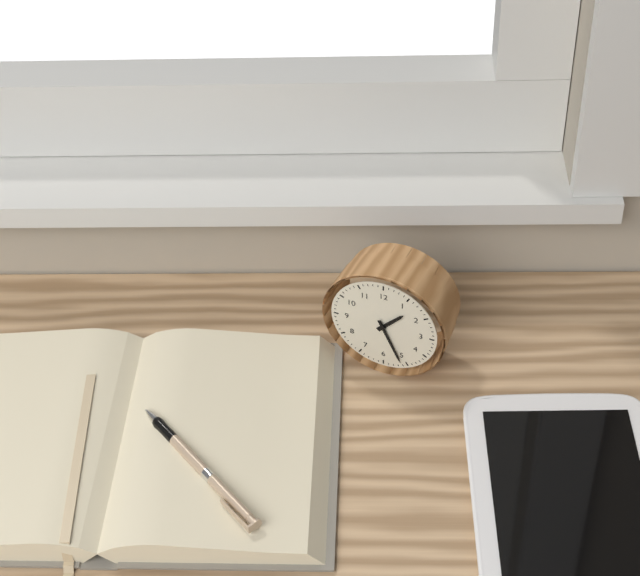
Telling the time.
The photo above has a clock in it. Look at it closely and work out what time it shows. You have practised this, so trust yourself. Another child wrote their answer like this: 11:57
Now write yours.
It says 1:26
